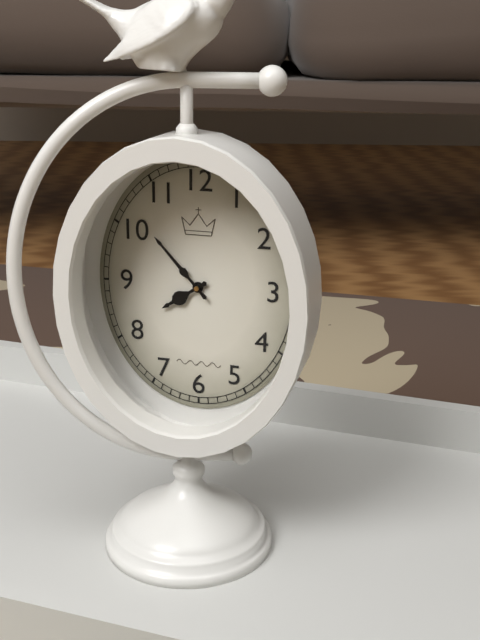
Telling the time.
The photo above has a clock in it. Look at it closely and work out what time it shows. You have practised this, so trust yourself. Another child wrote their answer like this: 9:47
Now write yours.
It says 7:53
